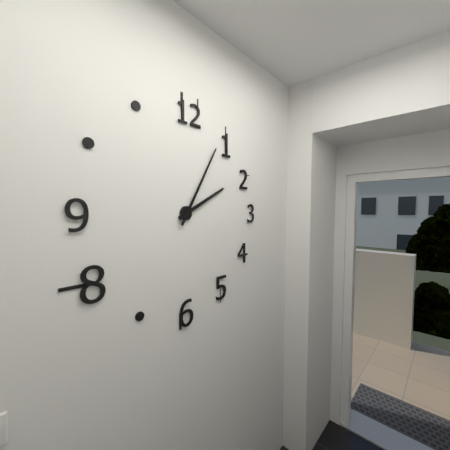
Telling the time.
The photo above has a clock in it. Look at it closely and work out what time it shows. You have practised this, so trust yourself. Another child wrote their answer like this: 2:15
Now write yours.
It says 2:05
